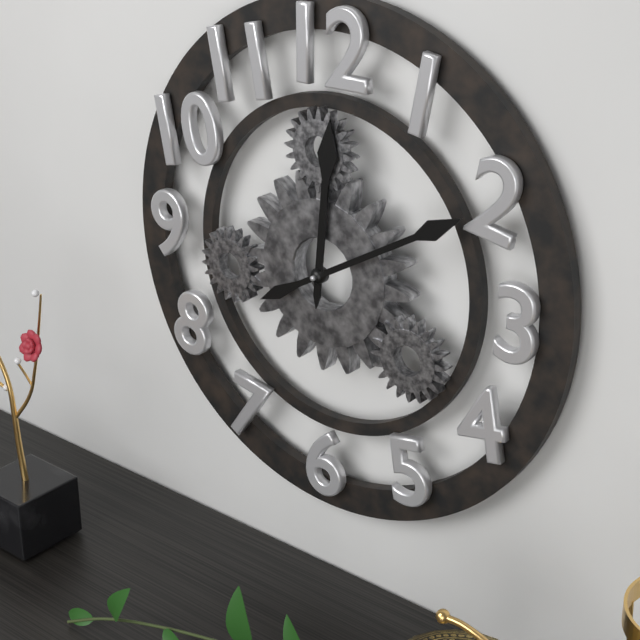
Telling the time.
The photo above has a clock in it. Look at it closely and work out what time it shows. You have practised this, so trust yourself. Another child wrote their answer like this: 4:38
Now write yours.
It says 12:10
